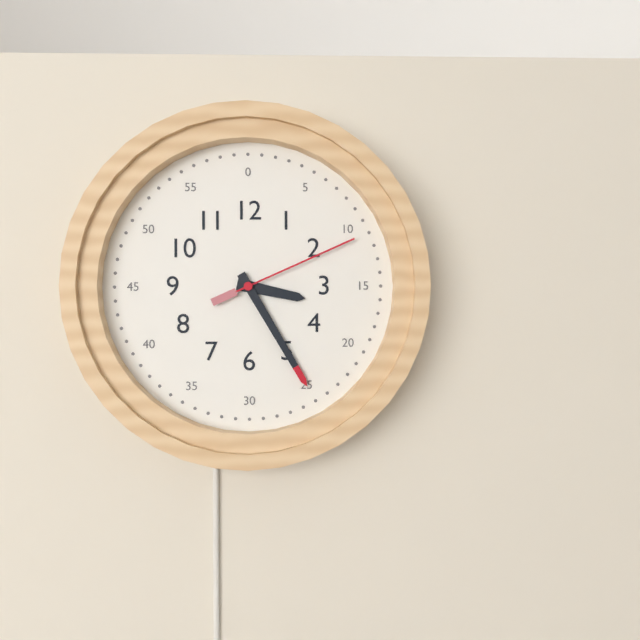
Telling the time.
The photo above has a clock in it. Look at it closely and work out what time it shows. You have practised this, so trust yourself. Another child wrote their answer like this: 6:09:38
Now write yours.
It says 3:25:11
